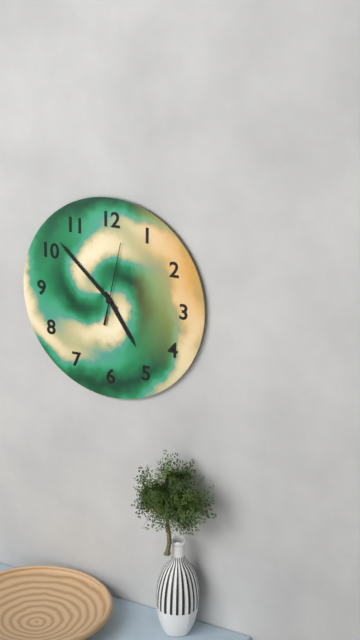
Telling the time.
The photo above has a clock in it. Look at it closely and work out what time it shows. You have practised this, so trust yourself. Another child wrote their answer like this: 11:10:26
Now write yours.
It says 4:52:02
